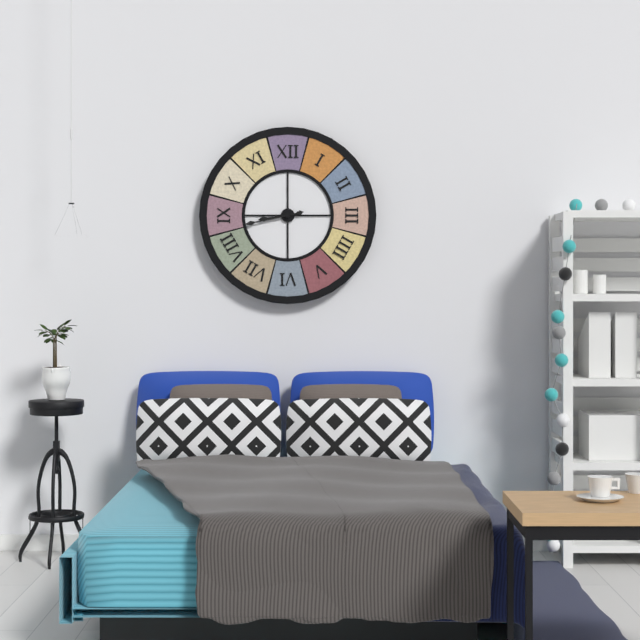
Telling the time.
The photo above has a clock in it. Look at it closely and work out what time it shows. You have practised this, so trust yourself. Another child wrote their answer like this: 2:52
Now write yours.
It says 8:43
